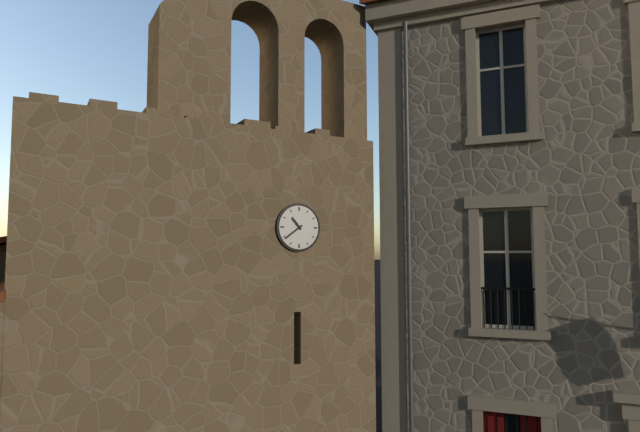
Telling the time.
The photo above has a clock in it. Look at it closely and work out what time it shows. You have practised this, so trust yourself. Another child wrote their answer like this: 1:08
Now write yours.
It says 10:39
